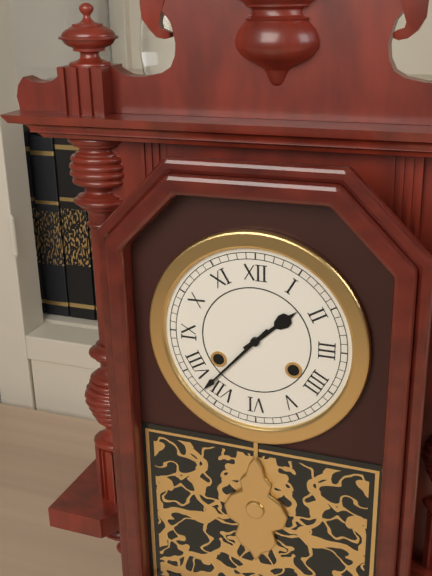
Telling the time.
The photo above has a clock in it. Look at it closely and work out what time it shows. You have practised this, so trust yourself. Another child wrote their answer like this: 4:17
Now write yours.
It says 1:37
